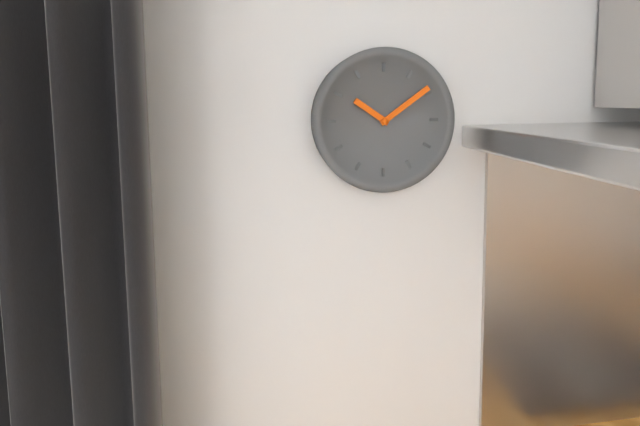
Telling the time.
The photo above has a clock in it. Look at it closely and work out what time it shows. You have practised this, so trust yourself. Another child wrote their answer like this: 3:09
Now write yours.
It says 10:09
